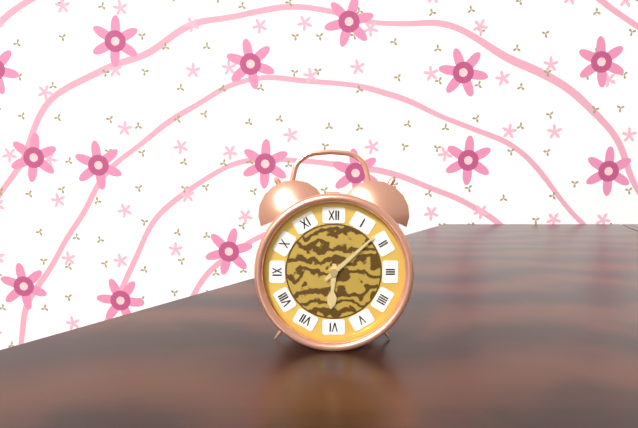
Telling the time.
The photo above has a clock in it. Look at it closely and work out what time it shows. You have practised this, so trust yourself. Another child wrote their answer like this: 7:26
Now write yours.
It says 6:08
